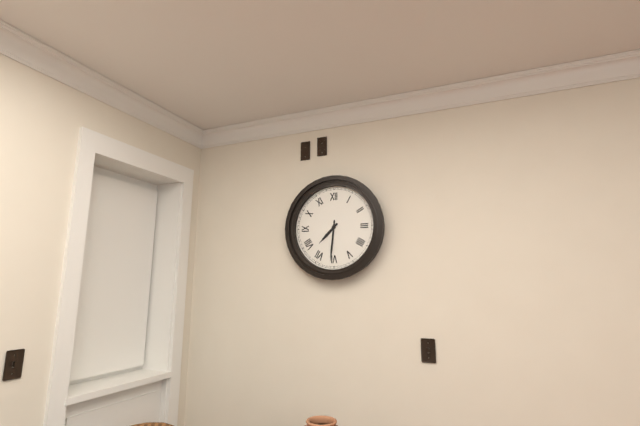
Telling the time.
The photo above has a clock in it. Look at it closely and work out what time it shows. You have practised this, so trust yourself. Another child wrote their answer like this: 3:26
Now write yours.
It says 7:31
